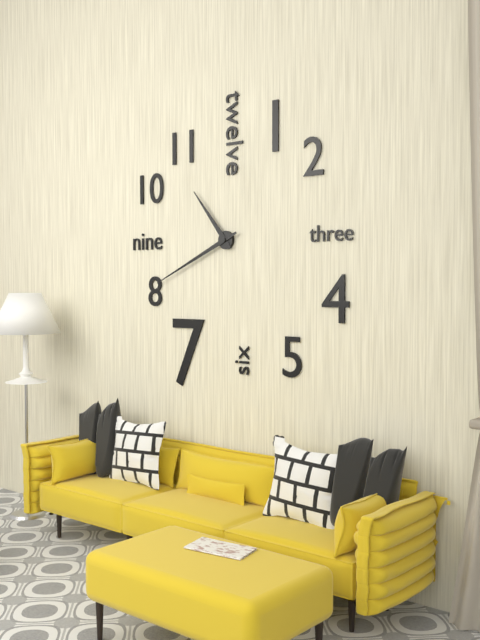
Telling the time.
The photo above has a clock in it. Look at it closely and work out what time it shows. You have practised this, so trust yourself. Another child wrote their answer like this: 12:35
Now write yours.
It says 10:41
